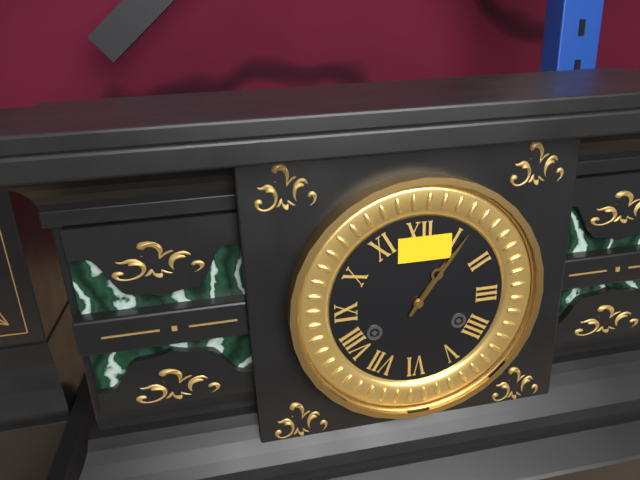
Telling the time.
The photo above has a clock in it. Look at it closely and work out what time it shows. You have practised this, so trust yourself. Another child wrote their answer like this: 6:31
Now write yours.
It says 1:06
